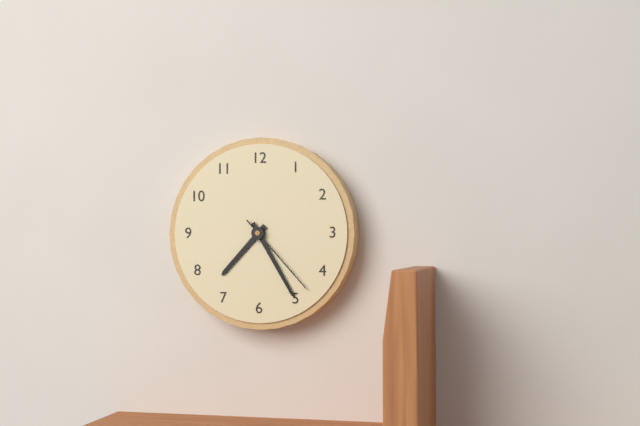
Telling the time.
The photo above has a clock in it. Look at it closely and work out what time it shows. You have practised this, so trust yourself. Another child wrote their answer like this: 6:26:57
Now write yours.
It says 7:25:23
